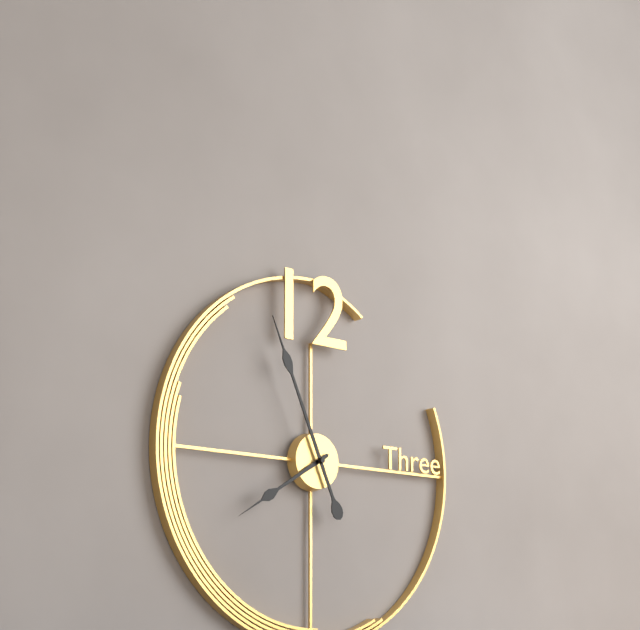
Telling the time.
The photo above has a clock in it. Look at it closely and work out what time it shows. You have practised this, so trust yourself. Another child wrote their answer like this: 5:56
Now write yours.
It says 7:56
